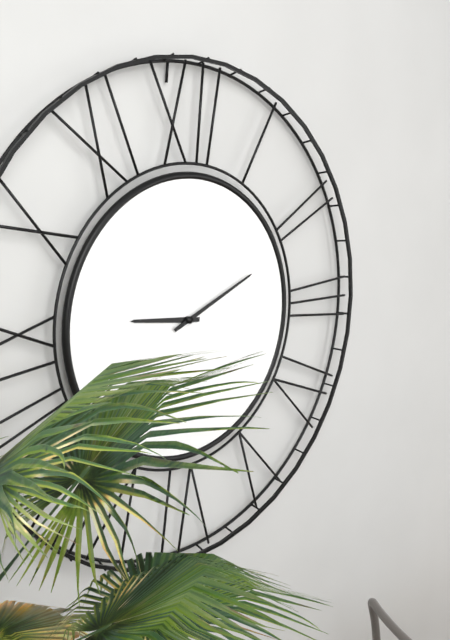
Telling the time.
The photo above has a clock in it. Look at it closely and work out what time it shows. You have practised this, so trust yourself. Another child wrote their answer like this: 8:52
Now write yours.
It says 9:11
